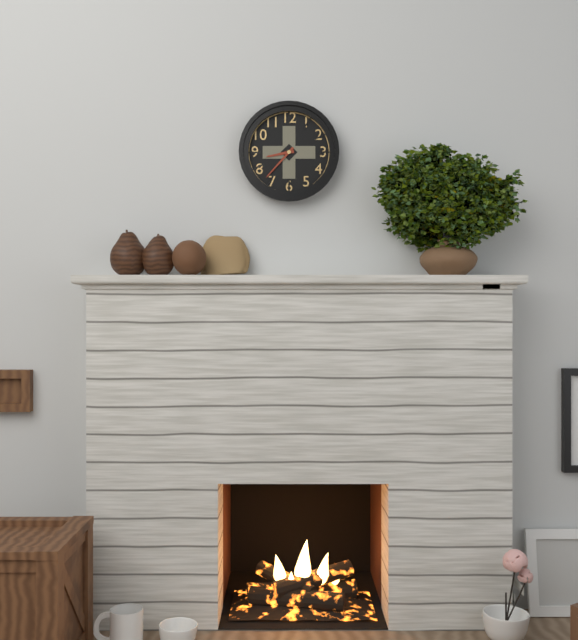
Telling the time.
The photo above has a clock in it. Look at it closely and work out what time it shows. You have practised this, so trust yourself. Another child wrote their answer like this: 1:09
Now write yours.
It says 8:37
